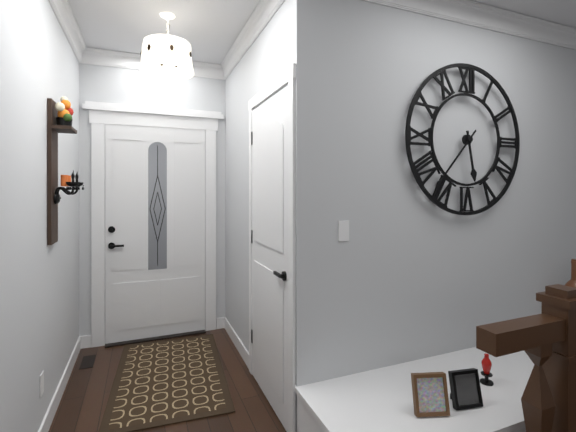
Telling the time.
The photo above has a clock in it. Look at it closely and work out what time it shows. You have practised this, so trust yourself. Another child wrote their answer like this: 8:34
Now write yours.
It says 5:37
